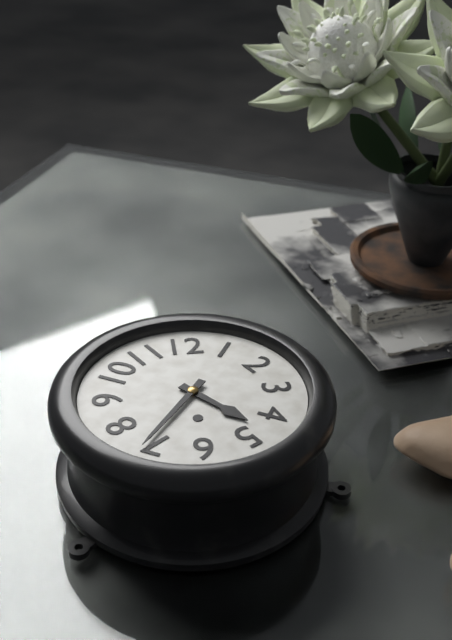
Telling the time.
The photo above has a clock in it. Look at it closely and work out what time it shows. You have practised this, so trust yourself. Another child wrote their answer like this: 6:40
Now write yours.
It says 4:36
